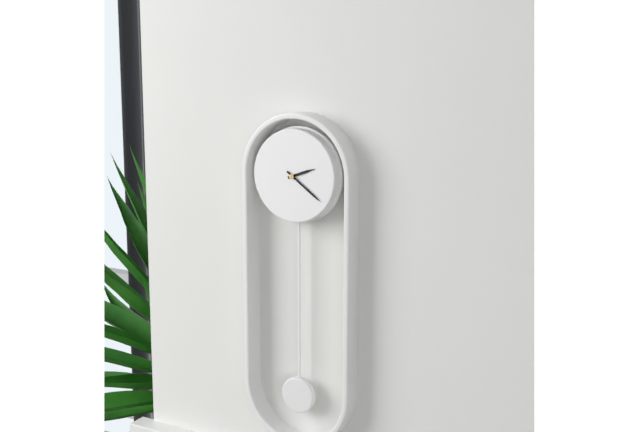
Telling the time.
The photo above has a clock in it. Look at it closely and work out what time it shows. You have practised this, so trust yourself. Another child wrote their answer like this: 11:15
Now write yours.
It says 2:21
